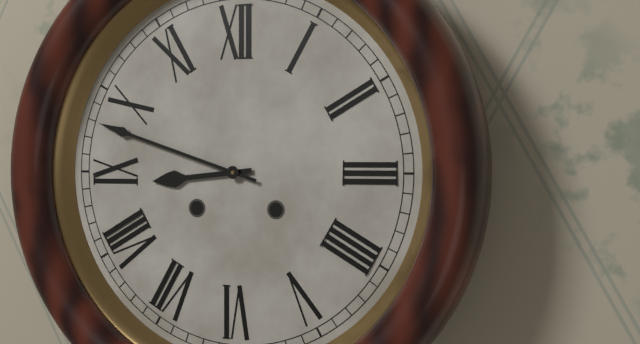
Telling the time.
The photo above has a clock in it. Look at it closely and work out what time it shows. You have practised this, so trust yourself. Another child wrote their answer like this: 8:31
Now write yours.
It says 8:48
